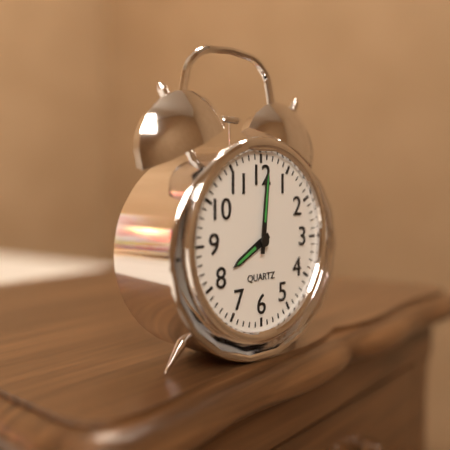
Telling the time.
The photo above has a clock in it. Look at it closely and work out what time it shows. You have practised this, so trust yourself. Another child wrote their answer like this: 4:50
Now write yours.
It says 8:01
